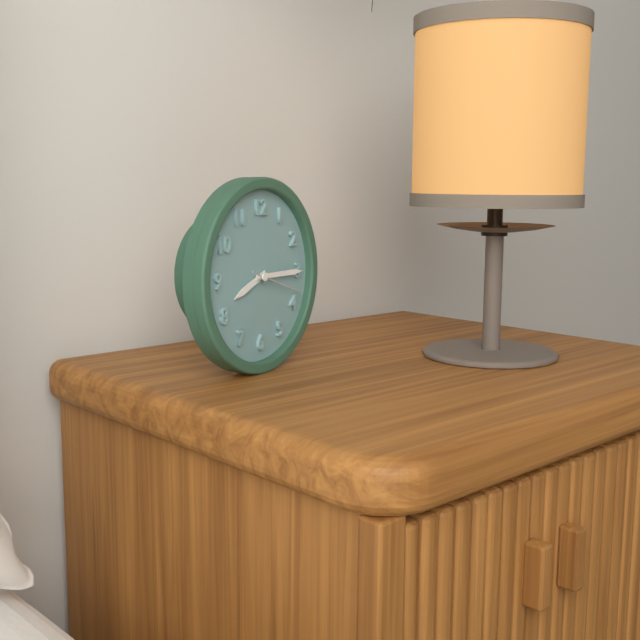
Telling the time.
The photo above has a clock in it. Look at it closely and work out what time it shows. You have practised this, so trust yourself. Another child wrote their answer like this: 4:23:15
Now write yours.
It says 8:15:18
